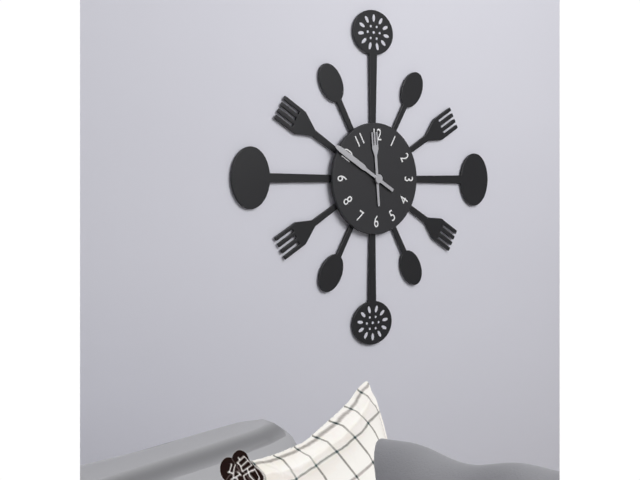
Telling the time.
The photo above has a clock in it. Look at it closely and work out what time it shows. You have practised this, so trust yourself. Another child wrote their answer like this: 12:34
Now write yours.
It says 11:50
